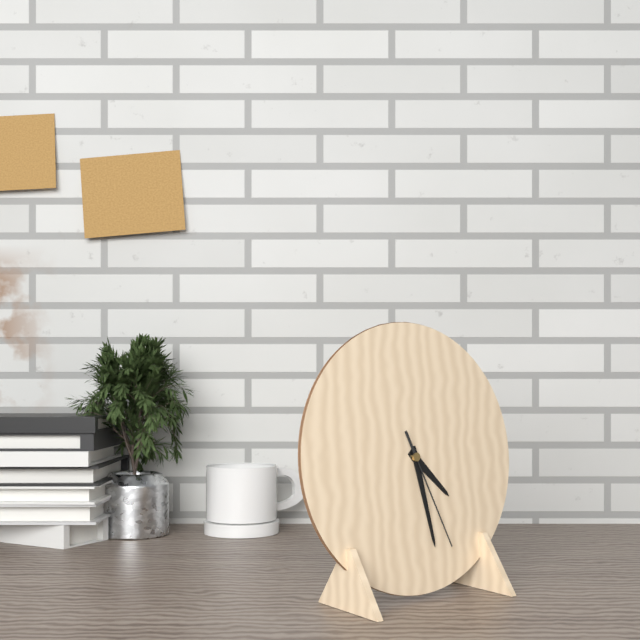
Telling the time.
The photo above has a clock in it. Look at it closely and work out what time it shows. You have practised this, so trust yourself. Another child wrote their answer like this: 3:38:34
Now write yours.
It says 4:28:26
